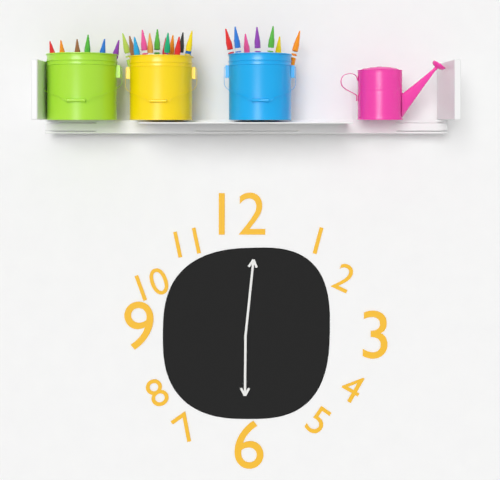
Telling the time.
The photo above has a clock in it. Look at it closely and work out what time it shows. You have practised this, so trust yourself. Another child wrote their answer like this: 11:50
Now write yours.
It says 6:01
